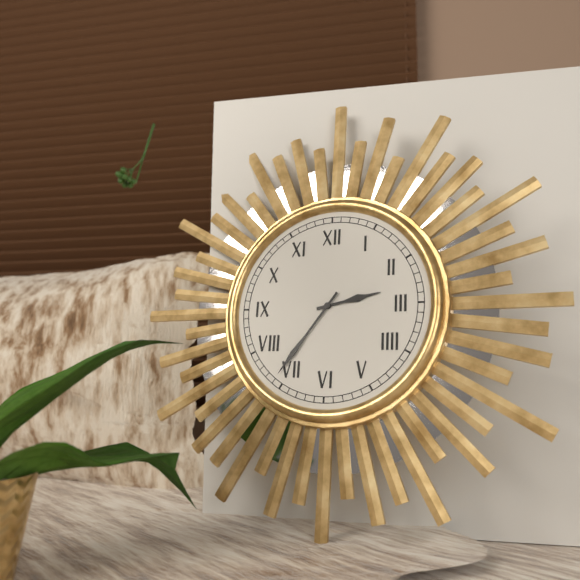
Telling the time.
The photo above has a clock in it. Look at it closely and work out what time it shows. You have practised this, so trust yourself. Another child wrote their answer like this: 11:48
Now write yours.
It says 2:36
